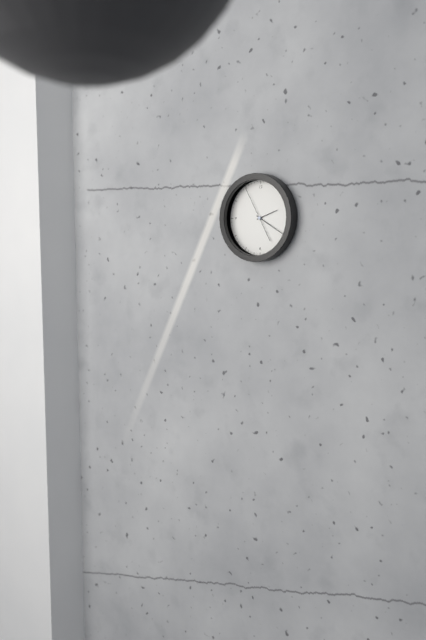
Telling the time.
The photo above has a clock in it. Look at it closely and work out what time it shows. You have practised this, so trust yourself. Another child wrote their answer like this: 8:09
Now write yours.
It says 2:20
